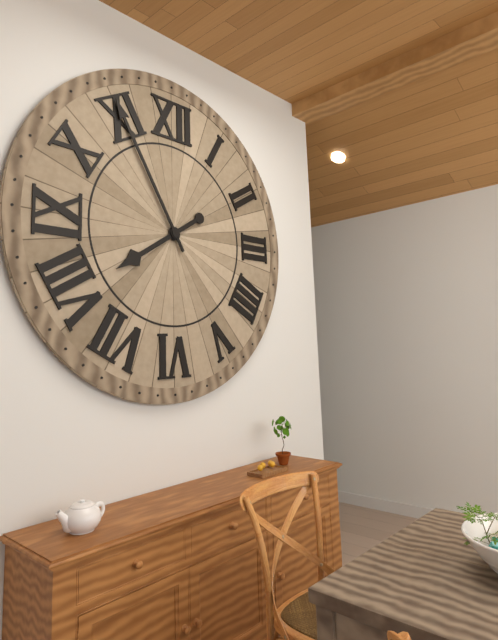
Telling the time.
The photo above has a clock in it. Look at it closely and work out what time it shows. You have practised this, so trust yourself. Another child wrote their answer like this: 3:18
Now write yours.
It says 7:55
